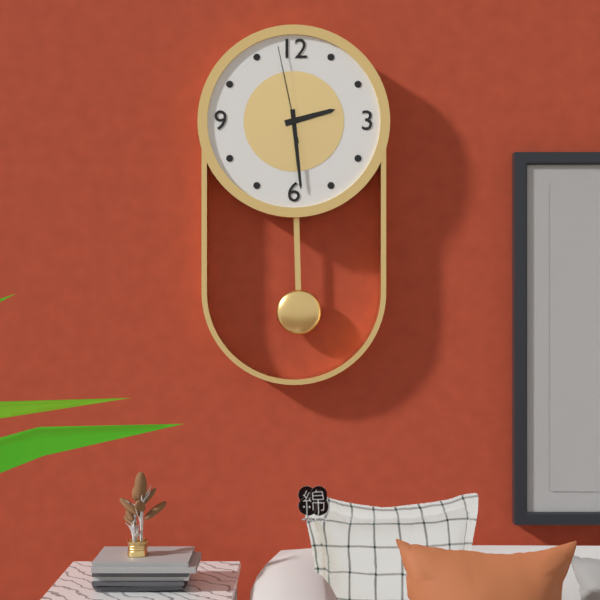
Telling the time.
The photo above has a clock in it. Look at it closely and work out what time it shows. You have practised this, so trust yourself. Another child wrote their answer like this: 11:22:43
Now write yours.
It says 2:29:58
